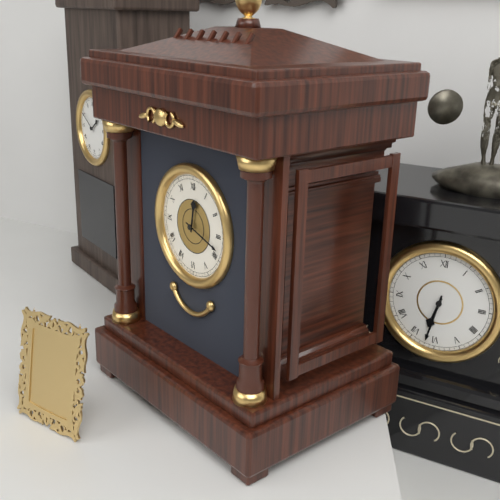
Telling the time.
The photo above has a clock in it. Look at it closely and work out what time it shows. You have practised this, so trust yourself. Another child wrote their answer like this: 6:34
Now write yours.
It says 12:18
